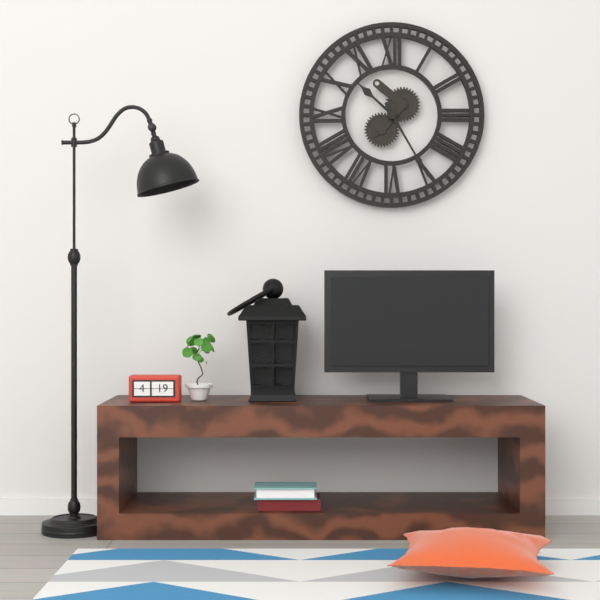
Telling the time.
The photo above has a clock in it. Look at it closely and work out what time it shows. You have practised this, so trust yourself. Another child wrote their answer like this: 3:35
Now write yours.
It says 10:25
